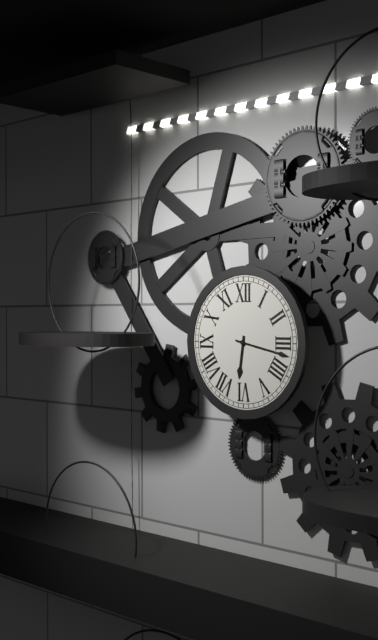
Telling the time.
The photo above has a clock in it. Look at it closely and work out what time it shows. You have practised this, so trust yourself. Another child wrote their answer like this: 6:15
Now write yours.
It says 6:17
